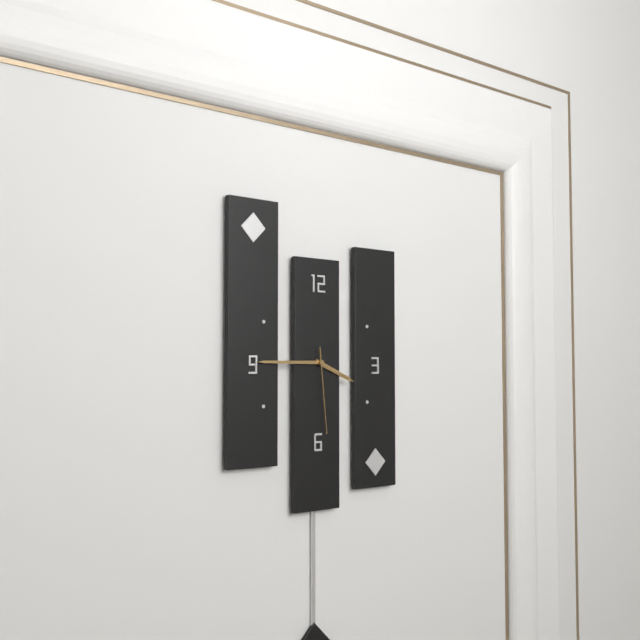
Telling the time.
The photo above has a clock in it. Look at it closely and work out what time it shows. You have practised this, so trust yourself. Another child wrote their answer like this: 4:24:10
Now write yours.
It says 3:45:29
